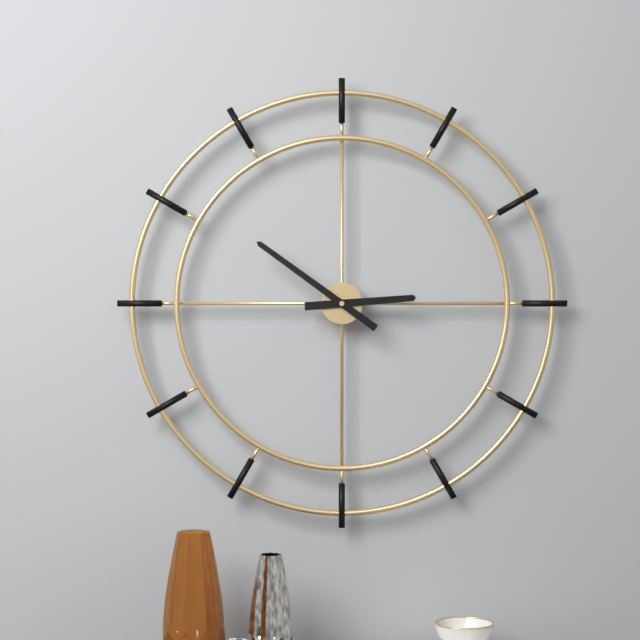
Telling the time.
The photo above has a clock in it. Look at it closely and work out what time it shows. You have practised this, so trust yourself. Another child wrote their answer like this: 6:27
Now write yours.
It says 2:51
